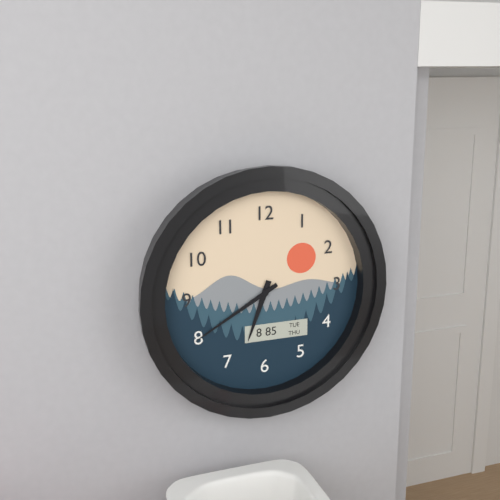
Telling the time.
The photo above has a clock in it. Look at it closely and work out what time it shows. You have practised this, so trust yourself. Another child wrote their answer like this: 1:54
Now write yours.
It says 6:40
